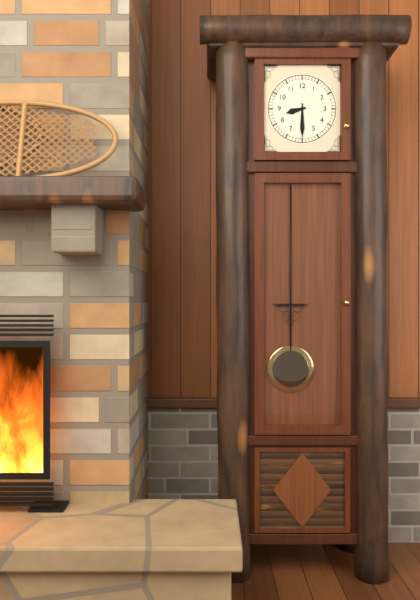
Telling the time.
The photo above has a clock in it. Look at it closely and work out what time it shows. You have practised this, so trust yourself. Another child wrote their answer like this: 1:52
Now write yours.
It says 8:30
